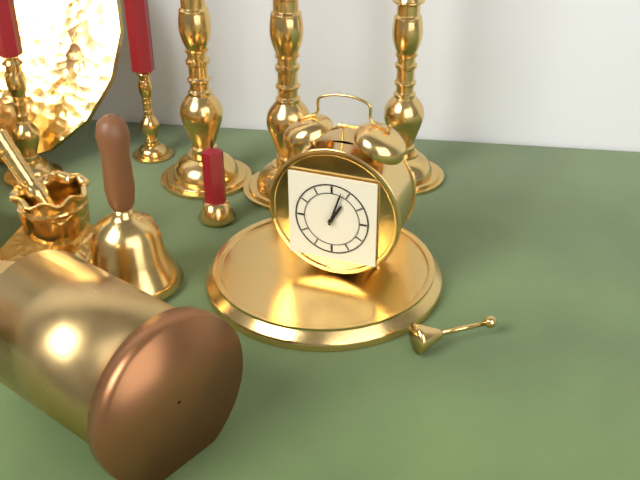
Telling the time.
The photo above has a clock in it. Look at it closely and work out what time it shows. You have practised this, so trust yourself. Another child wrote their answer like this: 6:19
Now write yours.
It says 1:03
